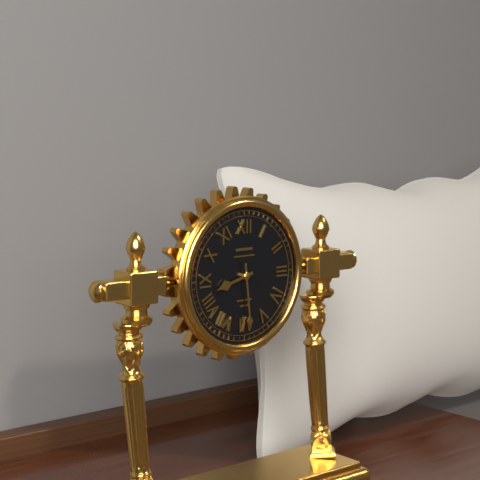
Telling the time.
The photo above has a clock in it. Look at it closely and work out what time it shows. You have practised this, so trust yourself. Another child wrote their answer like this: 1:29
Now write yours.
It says 8:29
